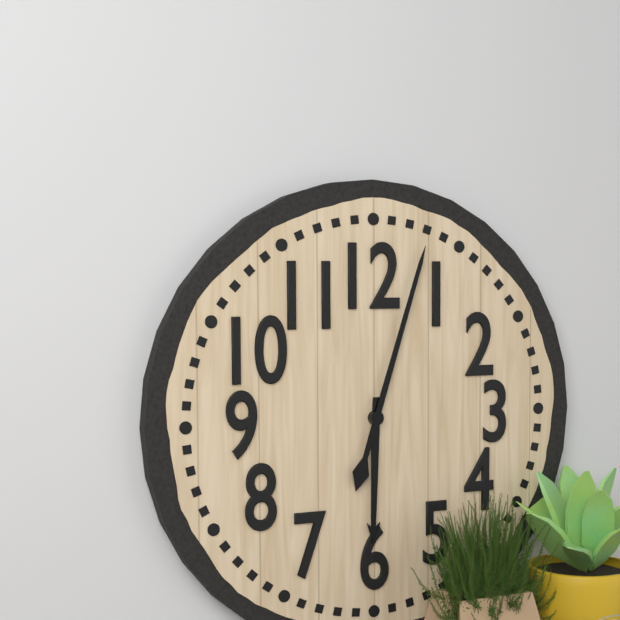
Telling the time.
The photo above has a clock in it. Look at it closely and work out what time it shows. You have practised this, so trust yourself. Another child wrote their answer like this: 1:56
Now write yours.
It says 6:03
